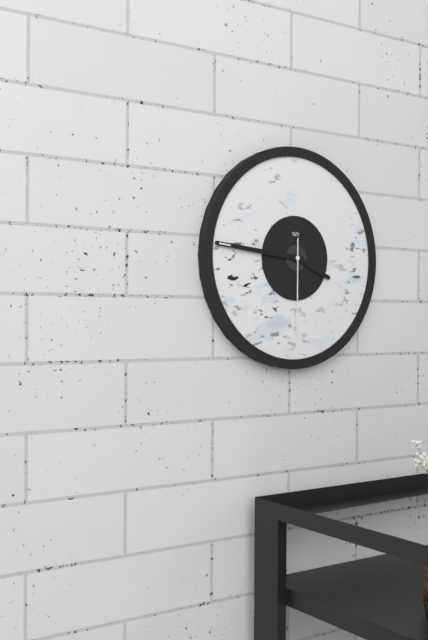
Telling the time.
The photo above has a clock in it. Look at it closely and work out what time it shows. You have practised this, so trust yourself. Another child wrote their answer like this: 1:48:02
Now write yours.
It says 3:46:30
